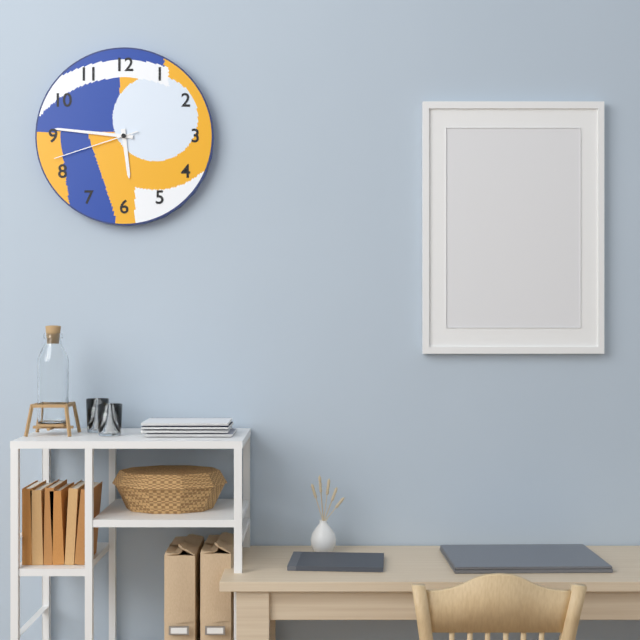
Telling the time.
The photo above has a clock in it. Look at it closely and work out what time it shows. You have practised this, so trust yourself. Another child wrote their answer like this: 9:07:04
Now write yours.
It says 5:46:42
